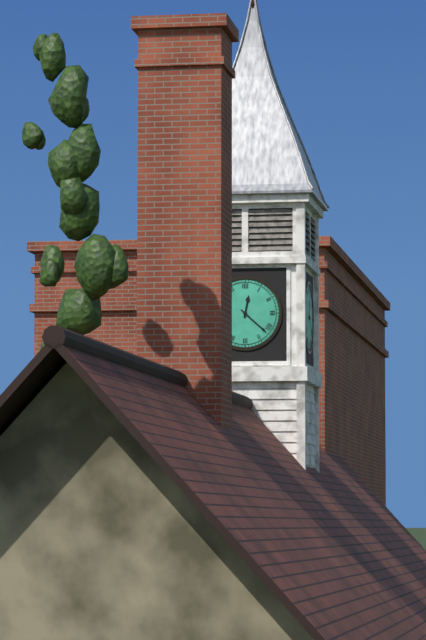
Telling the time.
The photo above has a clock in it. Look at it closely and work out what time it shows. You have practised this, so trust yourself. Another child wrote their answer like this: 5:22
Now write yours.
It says 12:22
